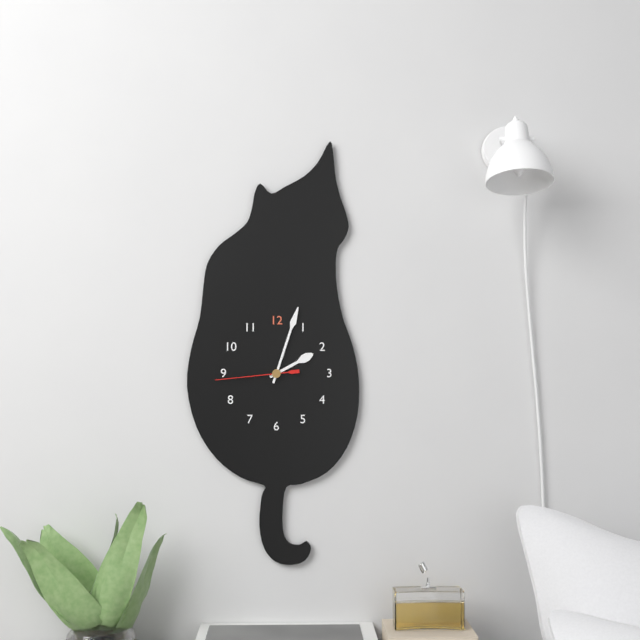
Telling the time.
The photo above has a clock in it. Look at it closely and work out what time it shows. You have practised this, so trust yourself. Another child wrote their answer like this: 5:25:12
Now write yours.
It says 2:03:44
